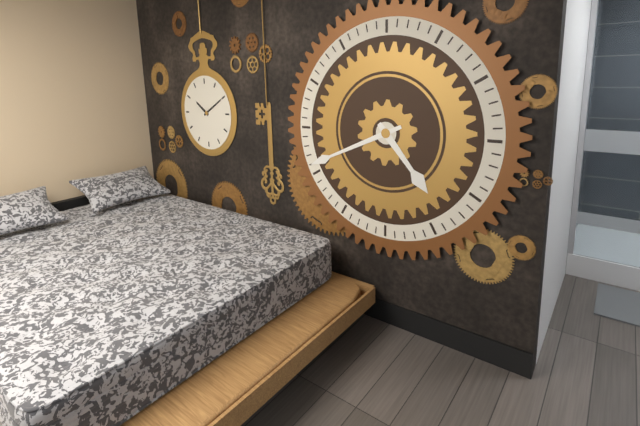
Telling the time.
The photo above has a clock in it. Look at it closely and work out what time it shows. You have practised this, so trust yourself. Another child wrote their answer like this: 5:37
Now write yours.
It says 4:41
